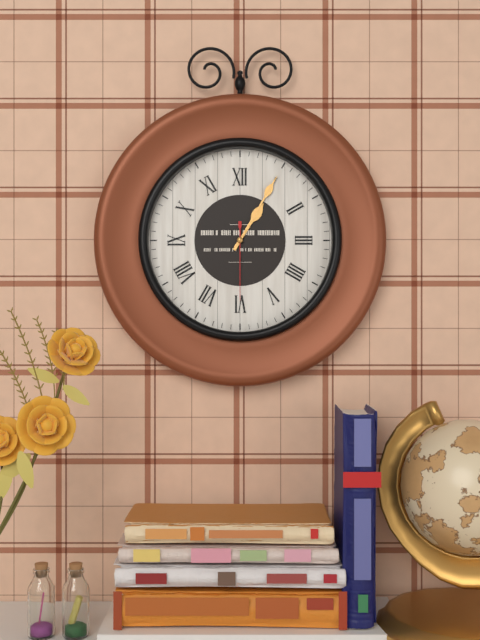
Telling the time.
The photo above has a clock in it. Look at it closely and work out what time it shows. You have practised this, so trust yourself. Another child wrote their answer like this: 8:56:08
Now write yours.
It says 1:05:30
